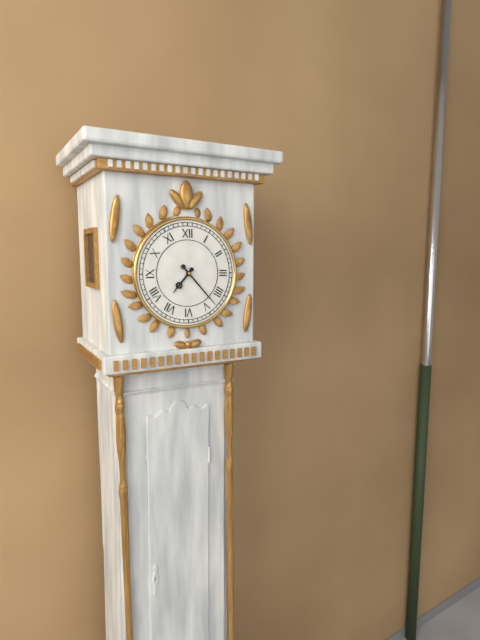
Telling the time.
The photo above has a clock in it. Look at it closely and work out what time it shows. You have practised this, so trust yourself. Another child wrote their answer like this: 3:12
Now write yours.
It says 7:23
